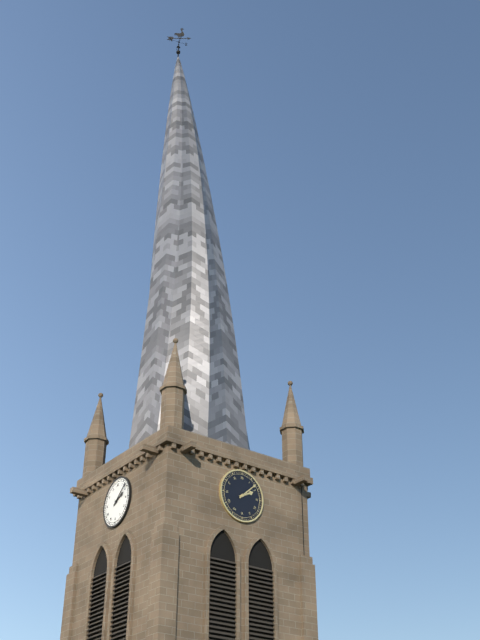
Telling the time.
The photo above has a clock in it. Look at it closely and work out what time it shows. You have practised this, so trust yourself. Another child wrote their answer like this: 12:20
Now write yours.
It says 2:08
